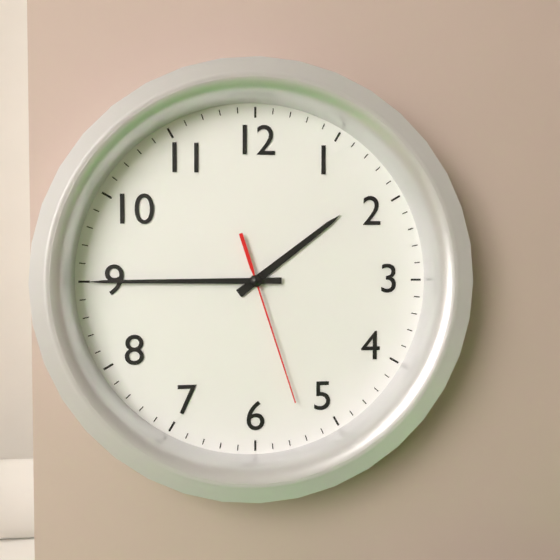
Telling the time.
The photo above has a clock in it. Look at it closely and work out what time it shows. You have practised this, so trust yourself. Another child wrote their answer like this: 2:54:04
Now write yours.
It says 1:45:27
